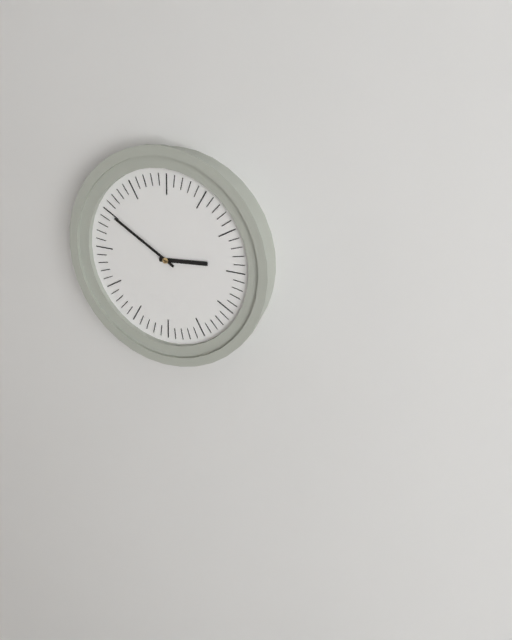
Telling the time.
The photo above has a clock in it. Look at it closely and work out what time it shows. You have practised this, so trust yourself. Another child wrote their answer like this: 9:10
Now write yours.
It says 2:50
